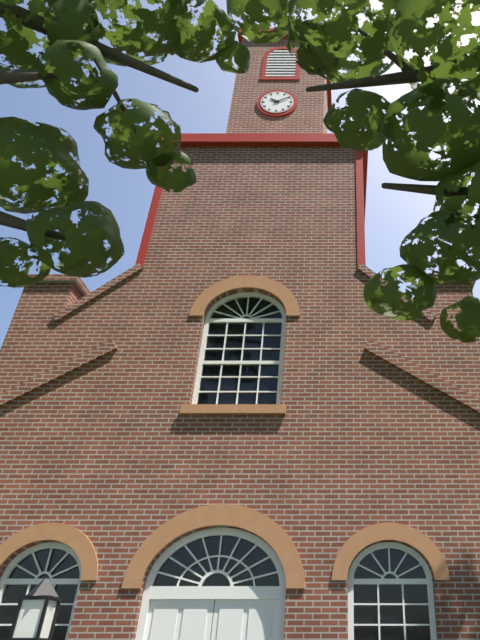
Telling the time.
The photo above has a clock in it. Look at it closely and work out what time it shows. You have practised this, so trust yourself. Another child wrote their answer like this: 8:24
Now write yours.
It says 10:10
